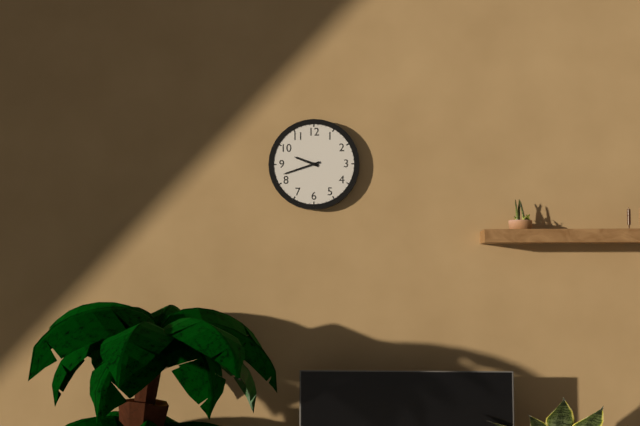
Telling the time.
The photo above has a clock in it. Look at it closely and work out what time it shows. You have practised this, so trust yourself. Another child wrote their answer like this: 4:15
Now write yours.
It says 9:42
